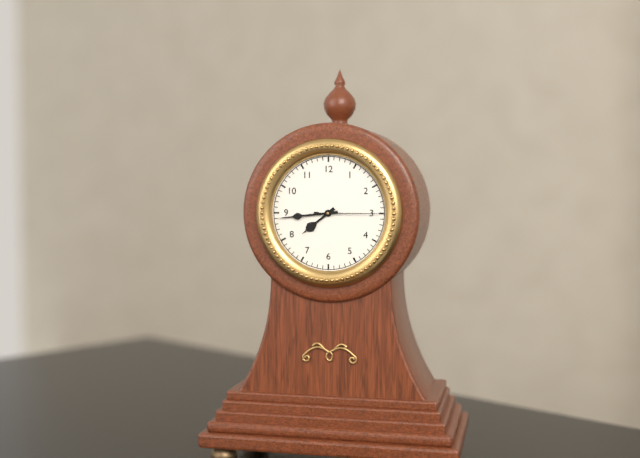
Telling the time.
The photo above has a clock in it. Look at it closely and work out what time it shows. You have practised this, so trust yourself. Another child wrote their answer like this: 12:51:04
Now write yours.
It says 7:44:15
